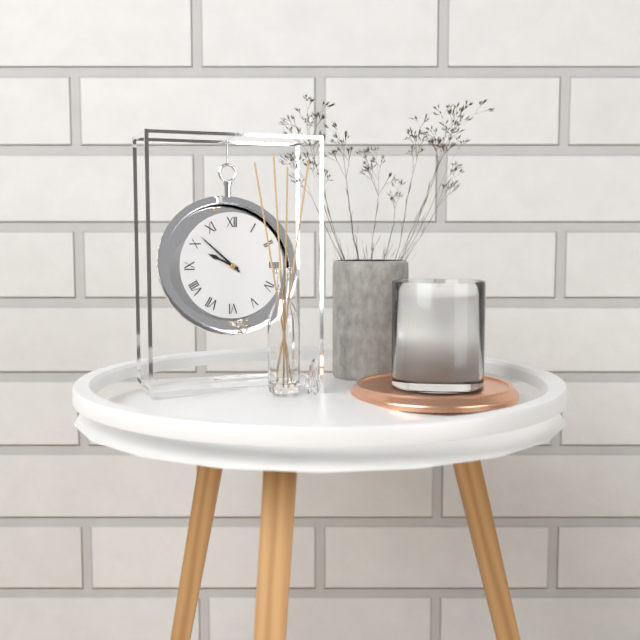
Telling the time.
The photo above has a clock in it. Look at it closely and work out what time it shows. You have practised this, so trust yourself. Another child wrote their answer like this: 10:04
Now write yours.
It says 9:52
